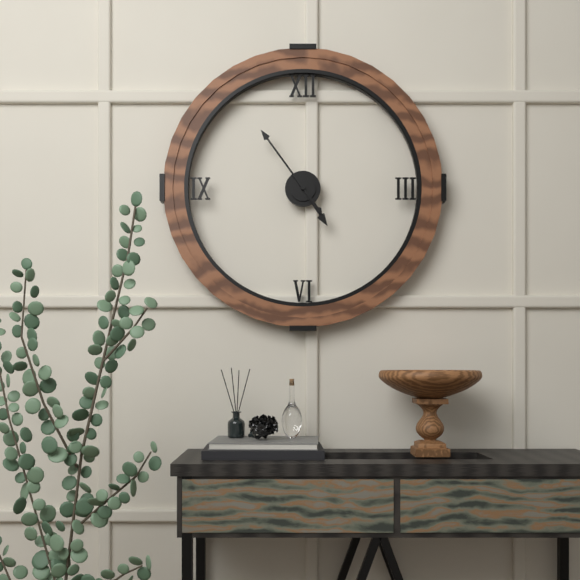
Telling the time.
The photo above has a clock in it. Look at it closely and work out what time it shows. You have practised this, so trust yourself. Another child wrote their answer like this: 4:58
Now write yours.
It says 4:54
